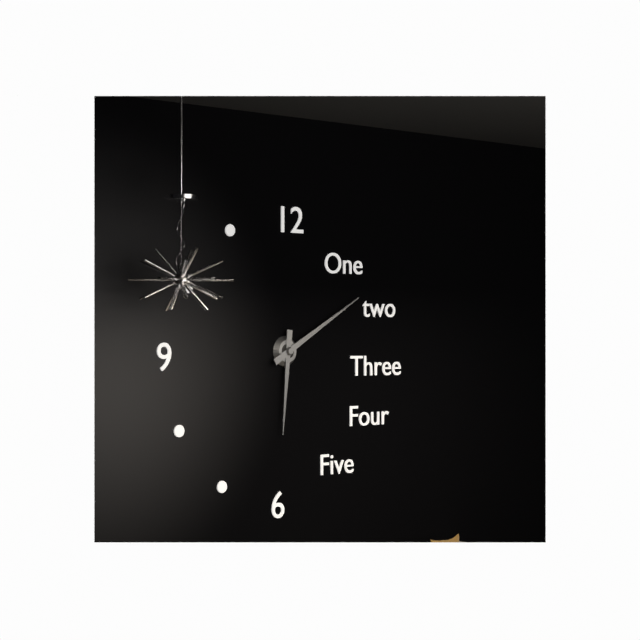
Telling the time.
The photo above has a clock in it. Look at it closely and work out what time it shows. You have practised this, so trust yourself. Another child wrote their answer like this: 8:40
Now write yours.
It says 6:10
